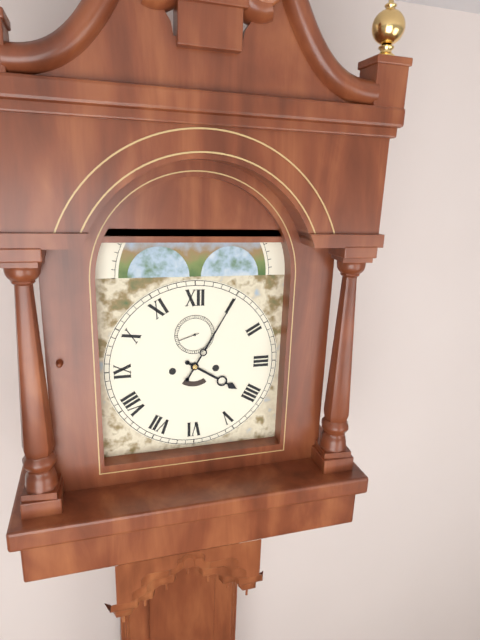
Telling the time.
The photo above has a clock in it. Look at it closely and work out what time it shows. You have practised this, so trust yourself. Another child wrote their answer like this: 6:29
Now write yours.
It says 4:05
